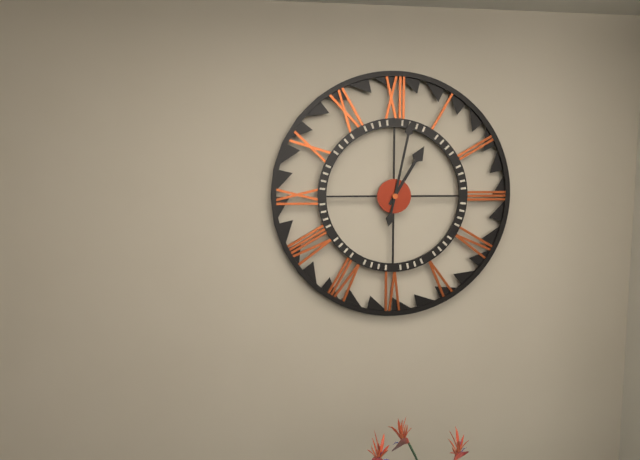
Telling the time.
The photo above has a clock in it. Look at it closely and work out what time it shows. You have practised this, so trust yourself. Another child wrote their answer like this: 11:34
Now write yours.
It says 1:02
